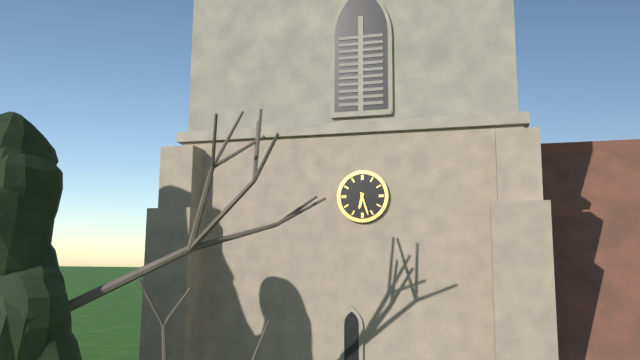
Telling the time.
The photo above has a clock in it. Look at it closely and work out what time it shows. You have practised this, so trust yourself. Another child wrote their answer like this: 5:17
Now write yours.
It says 6:27
